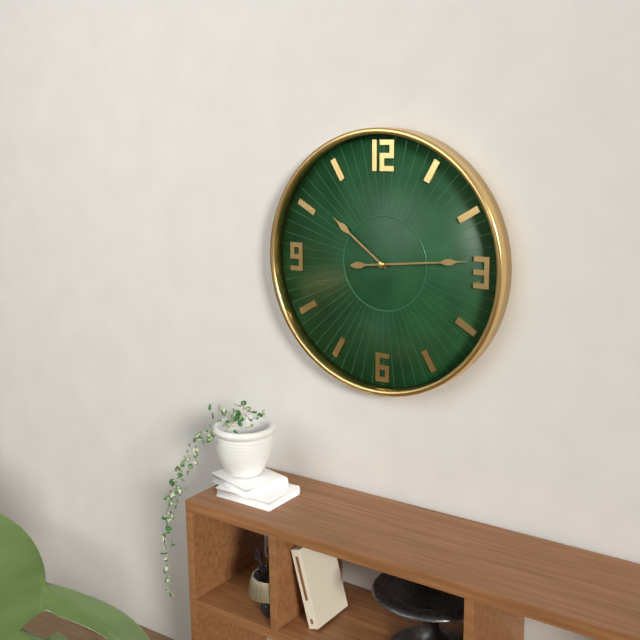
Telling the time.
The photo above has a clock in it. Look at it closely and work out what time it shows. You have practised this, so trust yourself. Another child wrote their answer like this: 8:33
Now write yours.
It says 10:14
